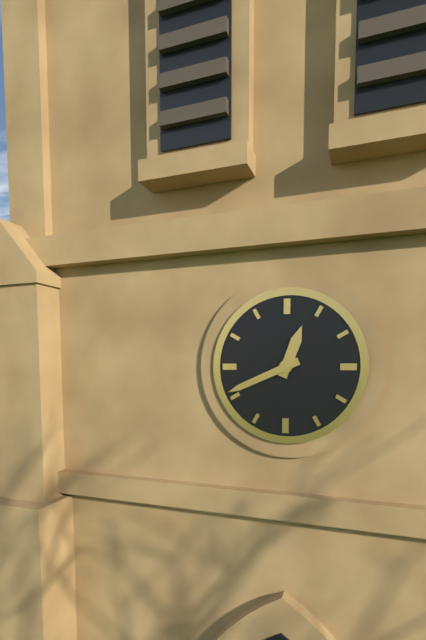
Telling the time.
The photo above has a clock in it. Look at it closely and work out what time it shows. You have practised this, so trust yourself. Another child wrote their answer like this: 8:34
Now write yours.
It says 12:41
